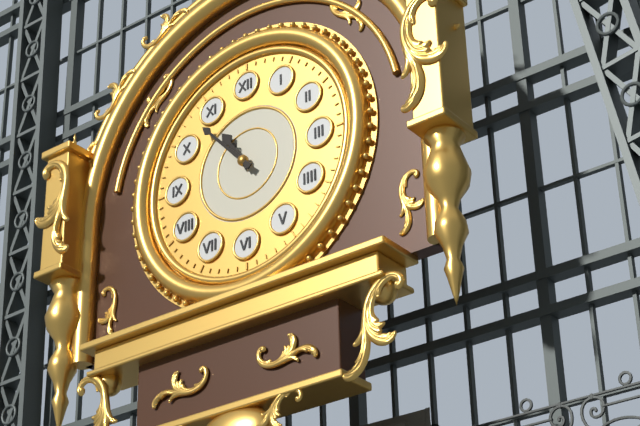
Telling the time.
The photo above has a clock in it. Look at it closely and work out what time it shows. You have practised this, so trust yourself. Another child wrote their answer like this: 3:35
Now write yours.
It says 10:53
